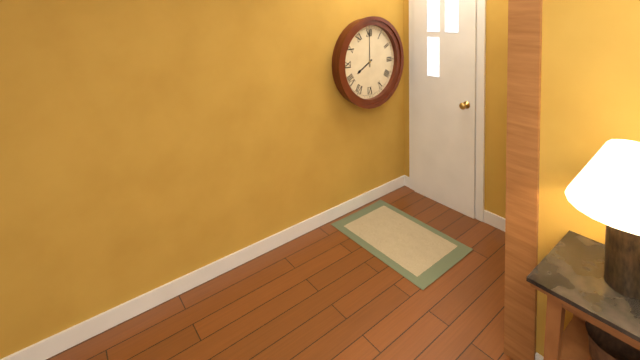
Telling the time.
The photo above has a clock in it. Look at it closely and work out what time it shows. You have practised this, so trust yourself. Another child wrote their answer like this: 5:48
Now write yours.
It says 8:00
